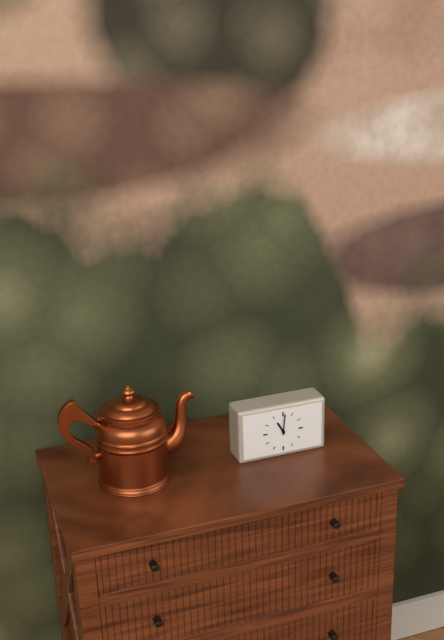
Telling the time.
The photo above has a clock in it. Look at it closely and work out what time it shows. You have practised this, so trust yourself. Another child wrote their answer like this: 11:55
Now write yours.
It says 11:01
